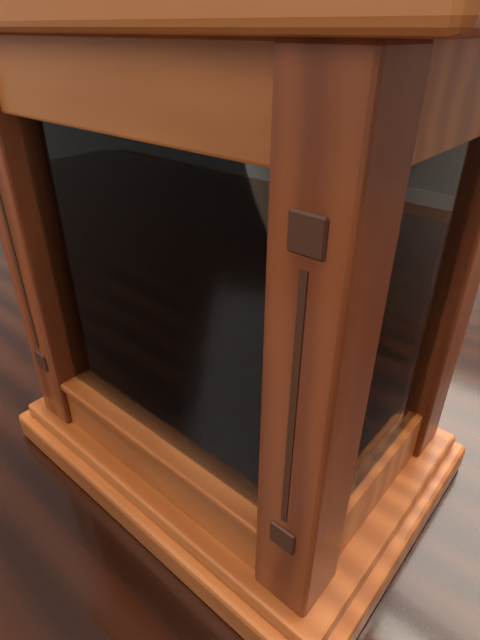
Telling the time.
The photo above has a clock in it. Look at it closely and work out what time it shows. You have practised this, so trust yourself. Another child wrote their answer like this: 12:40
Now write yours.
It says 9:13
